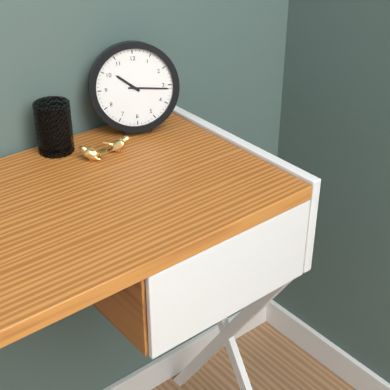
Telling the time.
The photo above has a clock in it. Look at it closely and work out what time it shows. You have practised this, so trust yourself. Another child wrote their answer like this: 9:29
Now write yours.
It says 10:16
